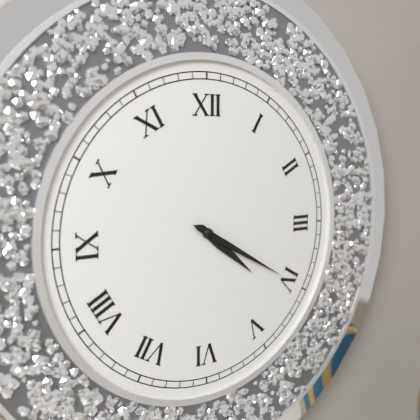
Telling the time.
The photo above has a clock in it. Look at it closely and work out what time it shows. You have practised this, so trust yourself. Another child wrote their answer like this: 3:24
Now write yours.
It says 4:20
